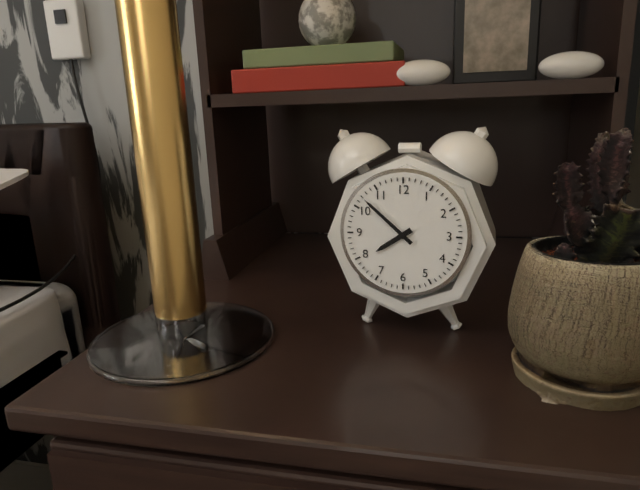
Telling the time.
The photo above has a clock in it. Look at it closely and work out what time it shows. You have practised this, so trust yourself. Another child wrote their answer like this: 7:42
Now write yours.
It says 7:52
